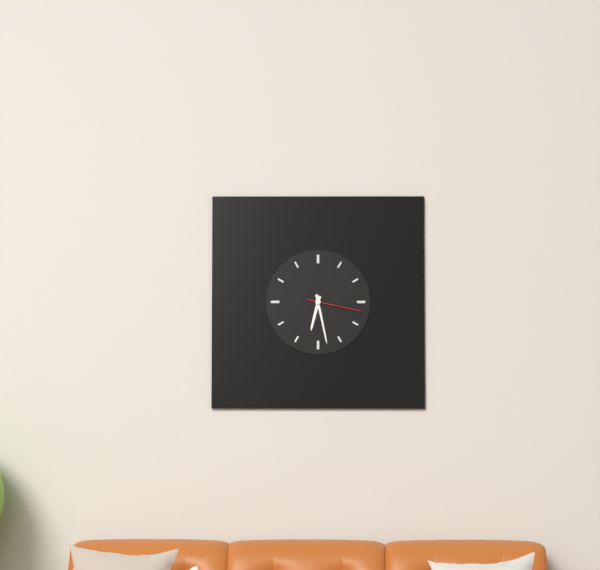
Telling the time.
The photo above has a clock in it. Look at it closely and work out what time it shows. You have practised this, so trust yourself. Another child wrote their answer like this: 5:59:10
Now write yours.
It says 6:28:17
